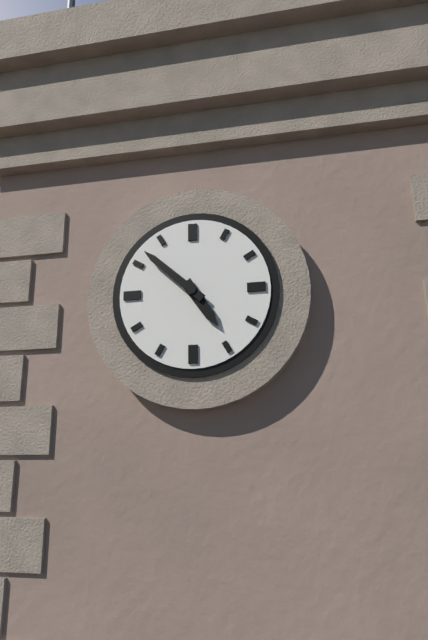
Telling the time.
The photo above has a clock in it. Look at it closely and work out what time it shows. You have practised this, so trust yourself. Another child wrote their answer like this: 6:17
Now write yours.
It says 4:52
